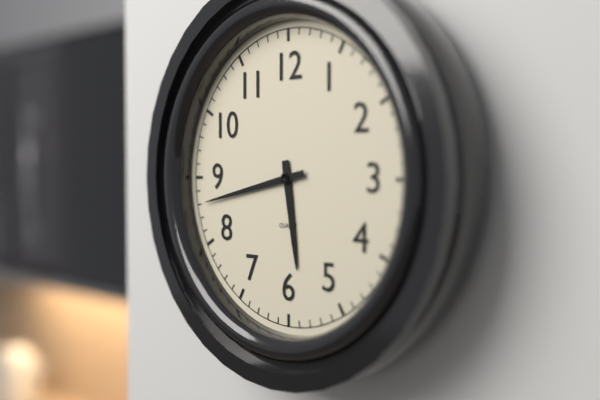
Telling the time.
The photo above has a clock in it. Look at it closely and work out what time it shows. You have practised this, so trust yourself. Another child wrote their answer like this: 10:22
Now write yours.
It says 5:43
